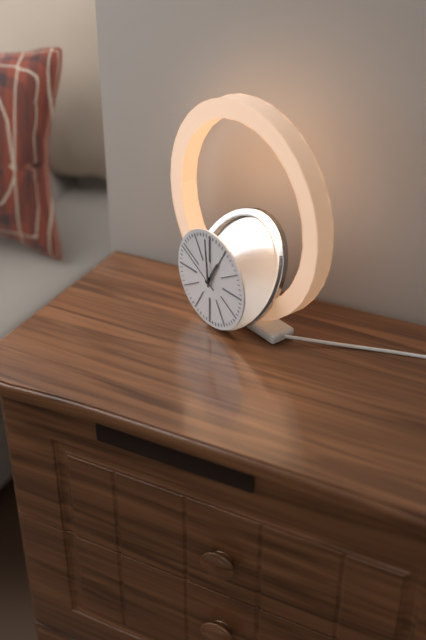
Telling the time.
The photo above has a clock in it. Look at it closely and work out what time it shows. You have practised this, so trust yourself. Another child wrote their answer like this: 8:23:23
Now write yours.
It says 12:59:50
